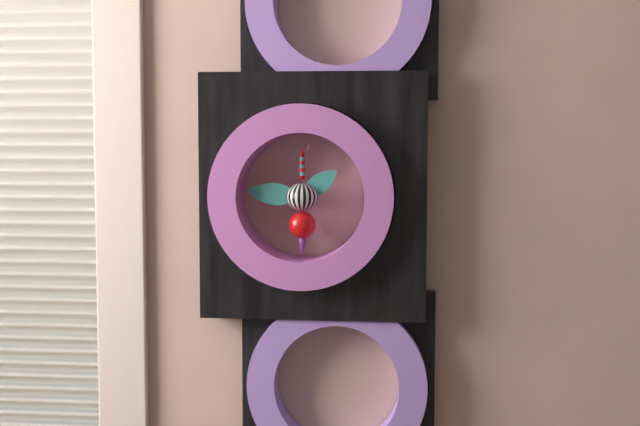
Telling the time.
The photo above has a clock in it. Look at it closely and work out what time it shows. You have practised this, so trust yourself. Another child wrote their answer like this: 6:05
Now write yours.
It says 1:46
